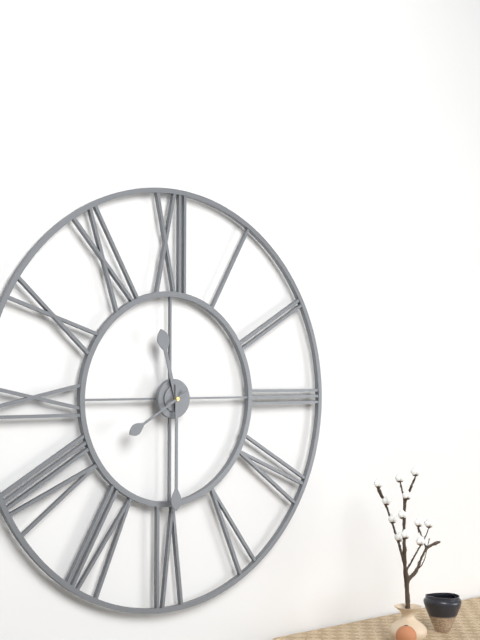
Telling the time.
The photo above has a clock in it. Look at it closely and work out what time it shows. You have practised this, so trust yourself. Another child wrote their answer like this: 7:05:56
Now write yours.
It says 11:30:40
